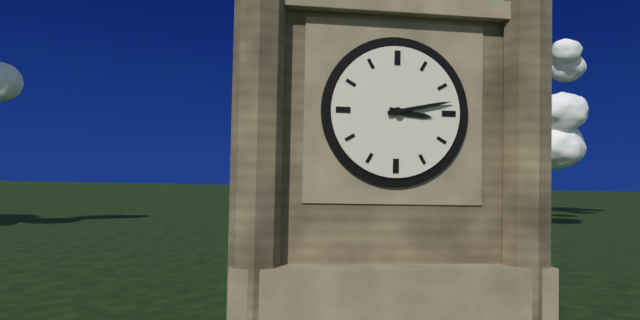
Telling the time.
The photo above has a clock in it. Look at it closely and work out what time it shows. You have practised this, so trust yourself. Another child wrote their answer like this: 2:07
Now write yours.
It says 3:13
